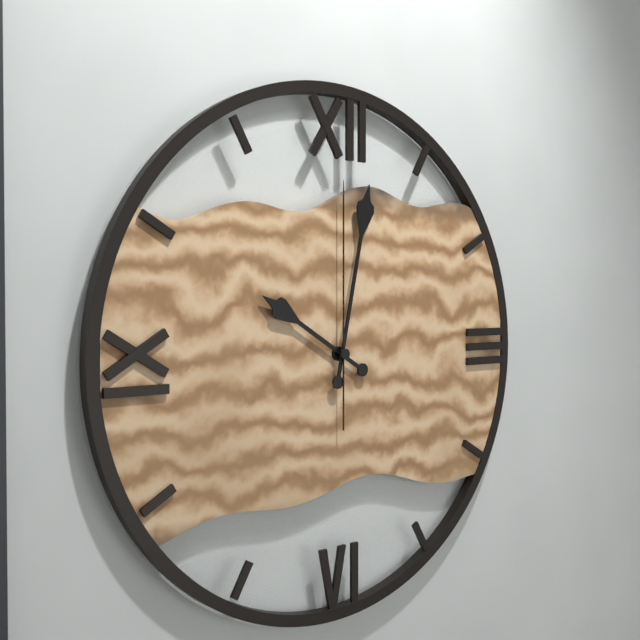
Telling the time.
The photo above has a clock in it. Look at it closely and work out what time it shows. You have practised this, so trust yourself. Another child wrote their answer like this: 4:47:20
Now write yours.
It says 10:02:00
